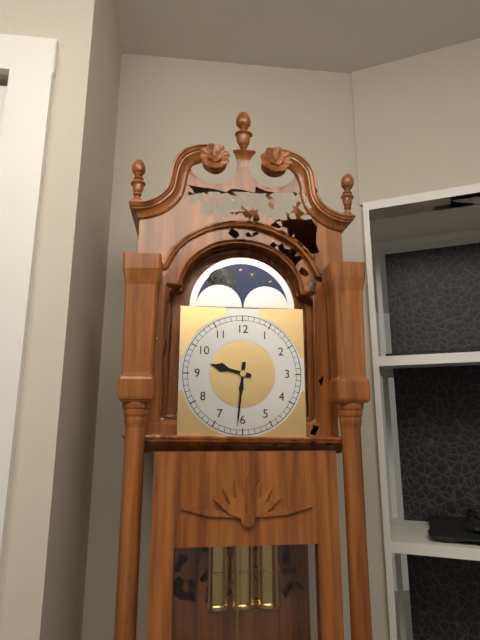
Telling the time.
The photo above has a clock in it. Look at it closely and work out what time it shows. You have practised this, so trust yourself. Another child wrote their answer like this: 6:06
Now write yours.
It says 9:31
